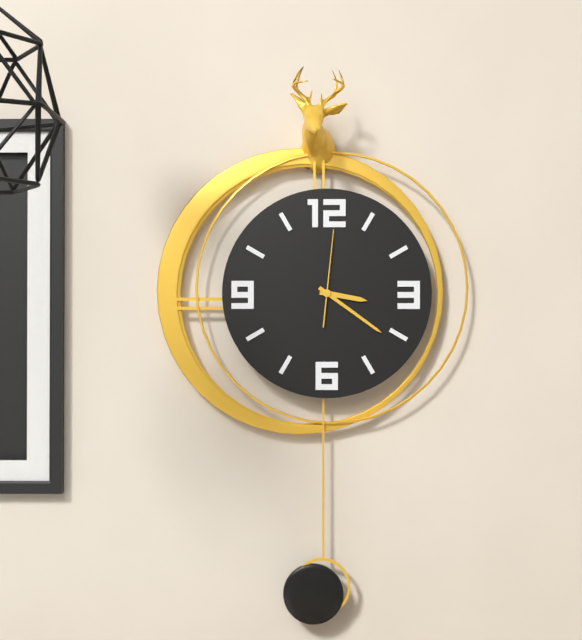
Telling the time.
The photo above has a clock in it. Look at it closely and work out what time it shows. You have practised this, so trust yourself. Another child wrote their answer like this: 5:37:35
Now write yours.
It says 3:21:01
